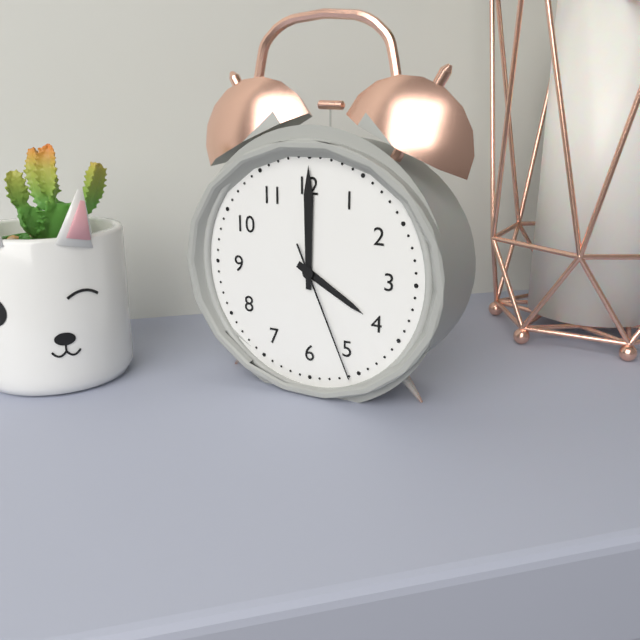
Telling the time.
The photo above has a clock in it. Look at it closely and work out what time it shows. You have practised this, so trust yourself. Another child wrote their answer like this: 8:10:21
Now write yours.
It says 4:00:26
